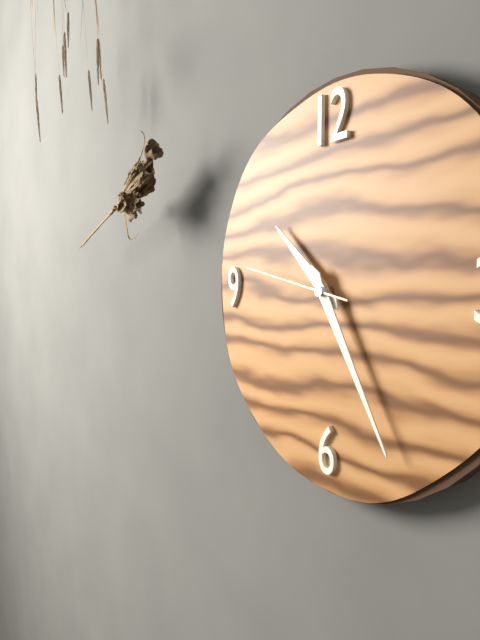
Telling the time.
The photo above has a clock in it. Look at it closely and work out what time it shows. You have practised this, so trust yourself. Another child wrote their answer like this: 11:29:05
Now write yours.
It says 10:25:47
